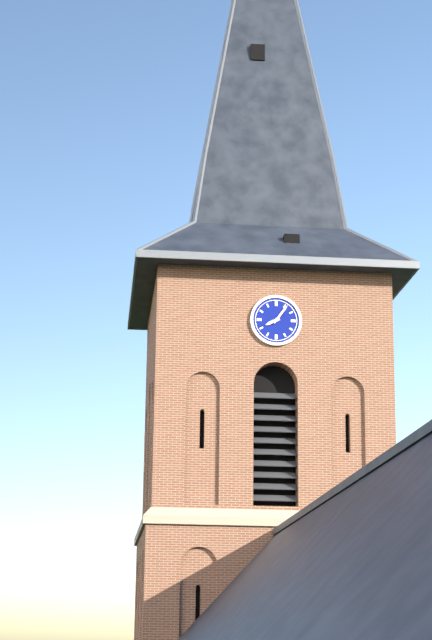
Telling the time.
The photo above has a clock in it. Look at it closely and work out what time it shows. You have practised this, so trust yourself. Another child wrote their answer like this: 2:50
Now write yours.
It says 8:06
